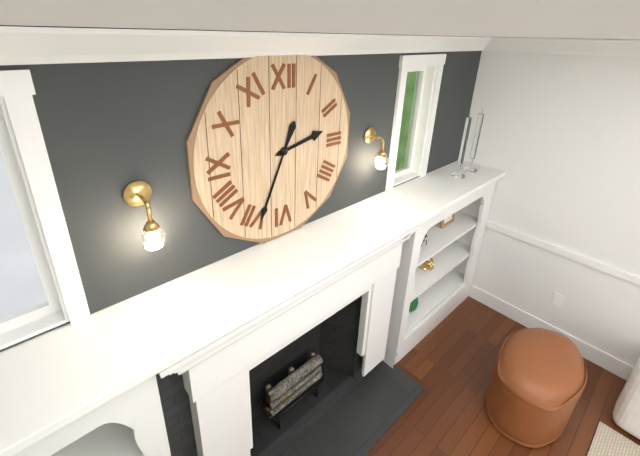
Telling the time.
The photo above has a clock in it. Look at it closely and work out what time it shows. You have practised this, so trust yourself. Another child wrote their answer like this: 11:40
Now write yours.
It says 2:34
